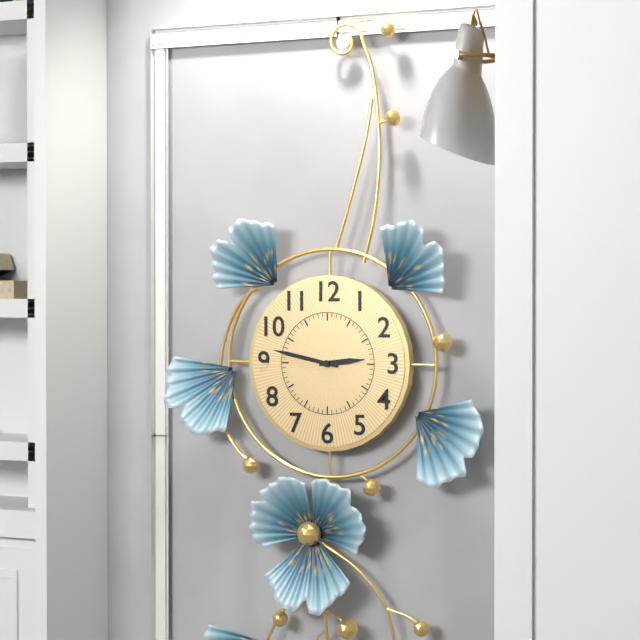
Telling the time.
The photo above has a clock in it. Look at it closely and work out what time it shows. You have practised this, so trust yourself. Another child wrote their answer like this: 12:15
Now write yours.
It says 2:47
